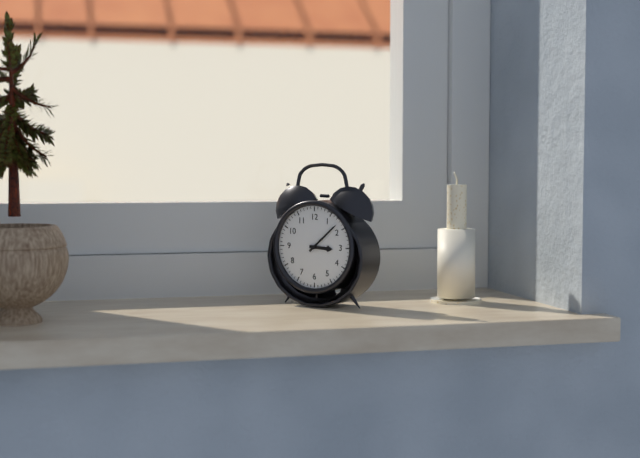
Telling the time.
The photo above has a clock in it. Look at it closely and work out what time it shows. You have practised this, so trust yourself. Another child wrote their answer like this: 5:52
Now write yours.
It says 3:08
